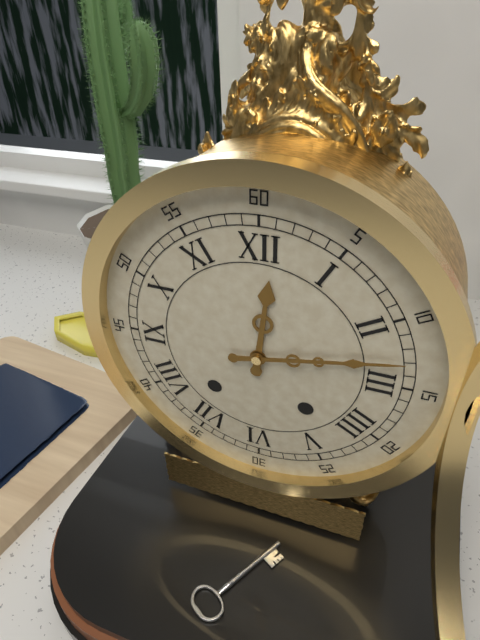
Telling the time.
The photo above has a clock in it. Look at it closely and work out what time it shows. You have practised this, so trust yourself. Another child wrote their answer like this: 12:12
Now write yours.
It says 12:13
